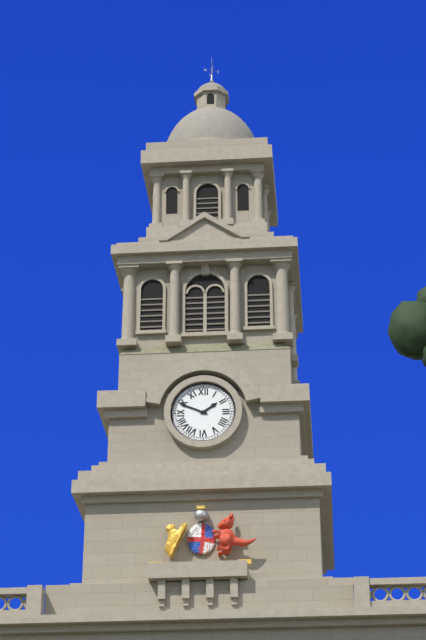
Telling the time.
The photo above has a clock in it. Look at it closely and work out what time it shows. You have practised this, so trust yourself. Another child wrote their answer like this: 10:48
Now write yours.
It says 1:49
